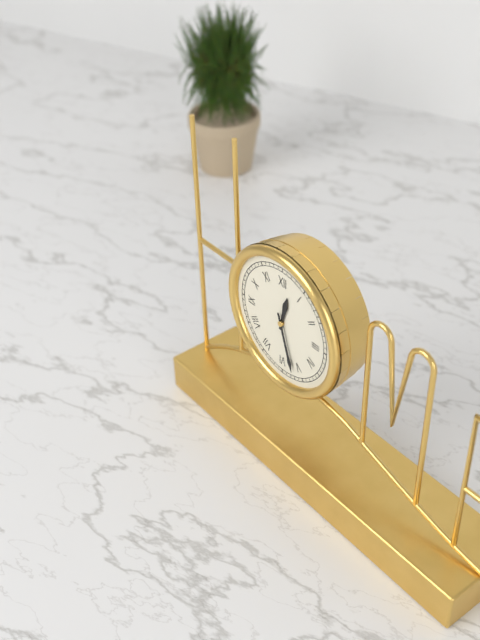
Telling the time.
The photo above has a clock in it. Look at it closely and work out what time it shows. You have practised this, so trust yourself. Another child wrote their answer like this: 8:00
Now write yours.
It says 12:27
